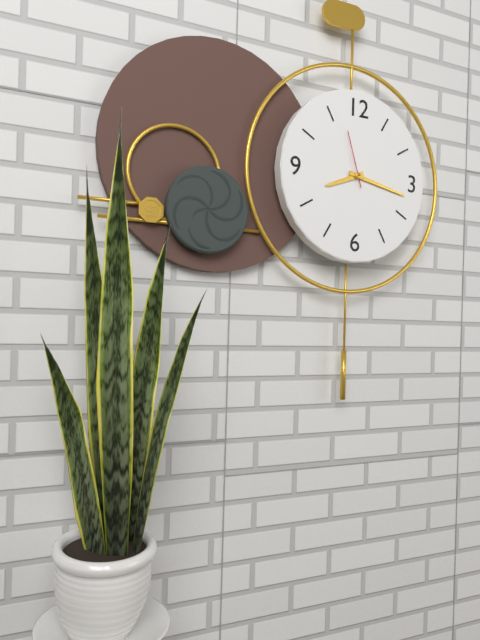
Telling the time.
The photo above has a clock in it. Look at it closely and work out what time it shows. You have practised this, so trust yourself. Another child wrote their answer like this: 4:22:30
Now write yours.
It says 8:17:57
